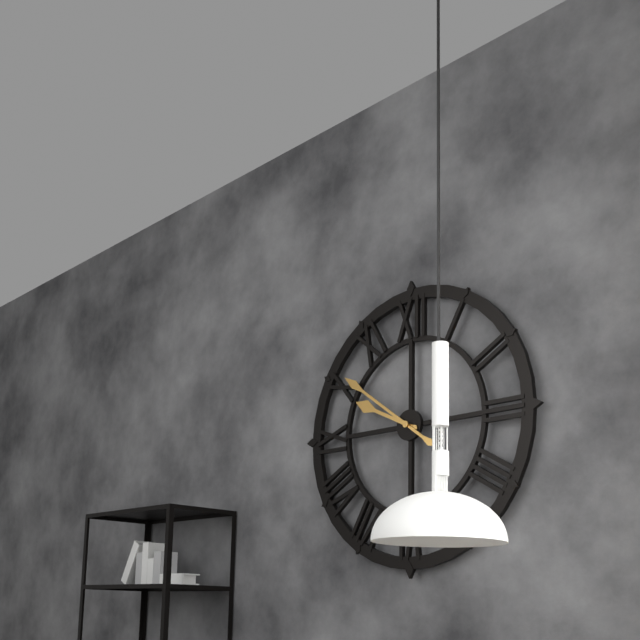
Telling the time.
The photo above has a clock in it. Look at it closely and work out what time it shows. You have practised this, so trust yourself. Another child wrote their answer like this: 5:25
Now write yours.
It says 9:51
